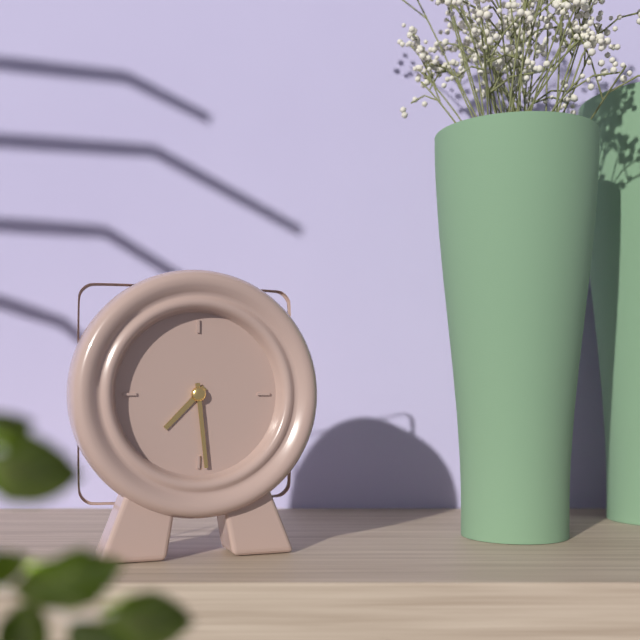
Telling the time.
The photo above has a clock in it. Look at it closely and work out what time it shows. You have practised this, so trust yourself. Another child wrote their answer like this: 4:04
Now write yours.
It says 7:29
